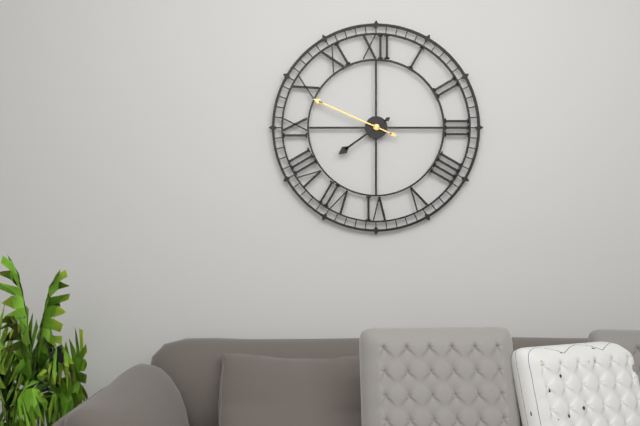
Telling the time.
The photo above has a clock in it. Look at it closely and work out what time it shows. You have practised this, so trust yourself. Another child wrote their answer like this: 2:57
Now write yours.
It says 7:49
